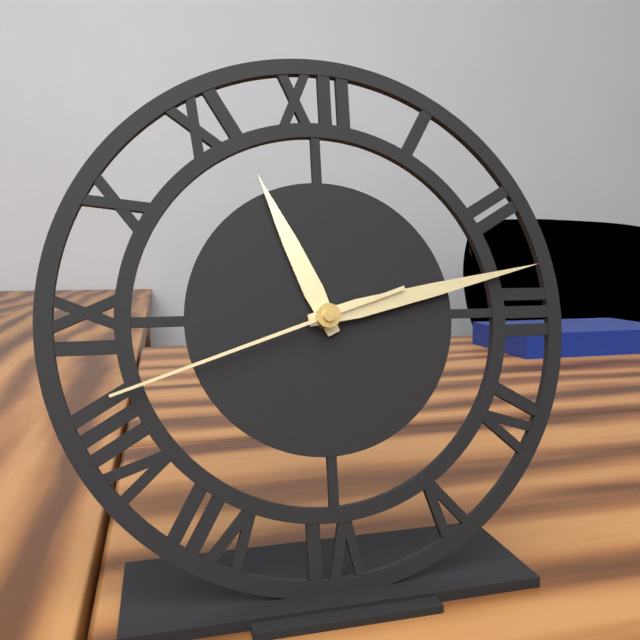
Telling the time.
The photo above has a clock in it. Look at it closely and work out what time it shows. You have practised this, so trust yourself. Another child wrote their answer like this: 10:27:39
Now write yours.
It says 11:13:42
